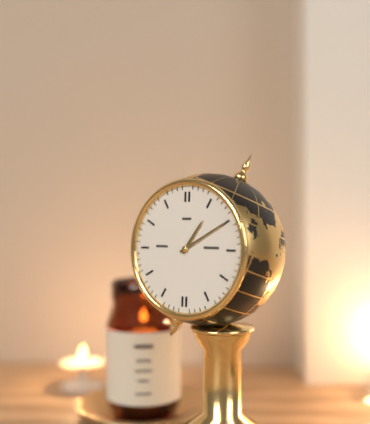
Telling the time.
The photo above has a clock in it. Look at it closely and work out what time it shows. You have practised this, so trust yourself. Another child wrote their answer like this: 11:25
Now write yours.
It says 1:10
